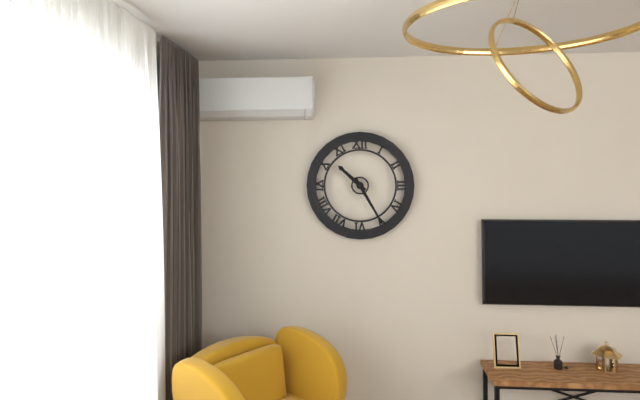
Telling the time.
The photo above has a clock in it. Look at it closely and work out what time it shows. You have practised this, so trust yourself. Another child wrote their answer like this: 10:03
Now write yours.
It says 10:25
